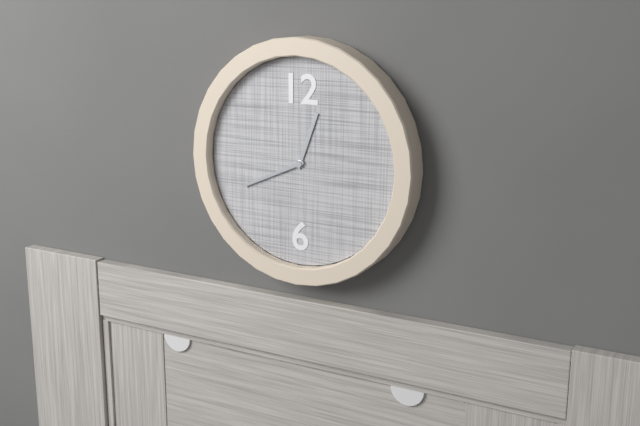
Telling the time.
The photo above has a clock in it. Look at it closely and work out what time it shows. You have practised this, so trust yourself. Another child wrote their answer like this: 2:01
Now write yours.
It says 12:41
